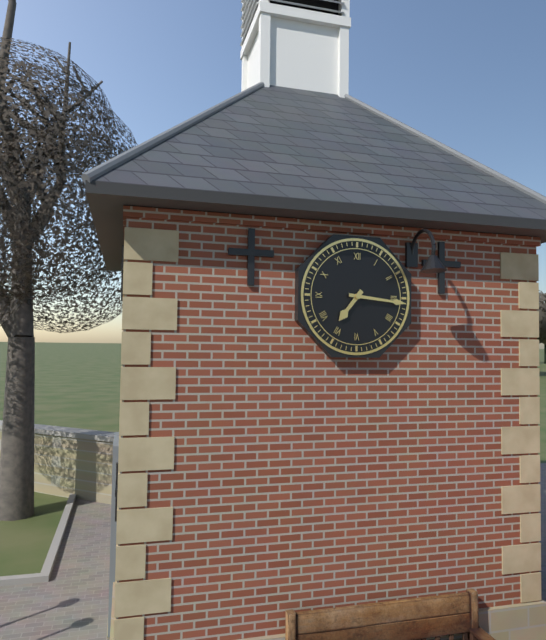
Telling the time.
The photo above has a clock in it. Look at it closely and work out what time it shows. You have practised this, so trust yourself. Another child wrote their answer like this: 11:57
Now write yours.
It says 7:16
